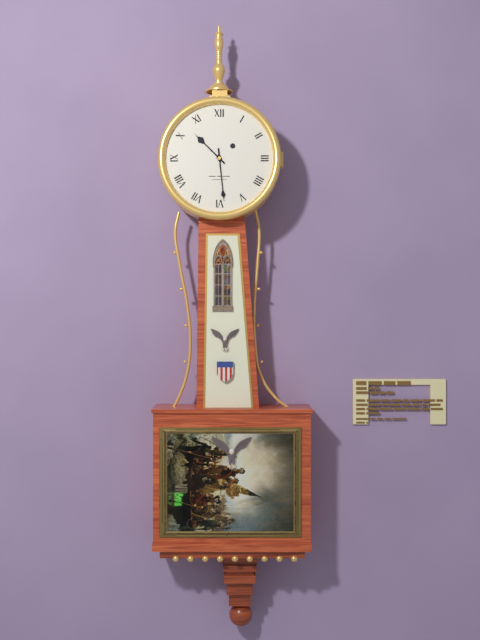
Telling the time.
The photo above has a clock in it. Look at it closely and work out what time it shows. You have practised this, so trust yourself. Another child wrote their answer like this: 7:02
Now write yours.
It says 10:29
